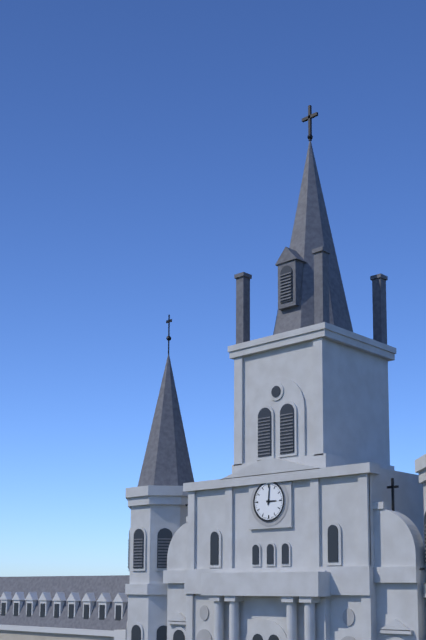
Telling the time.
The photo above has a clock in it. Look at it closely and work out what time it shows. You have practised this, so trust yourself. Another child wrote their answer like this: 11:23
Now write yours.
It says 3:01
